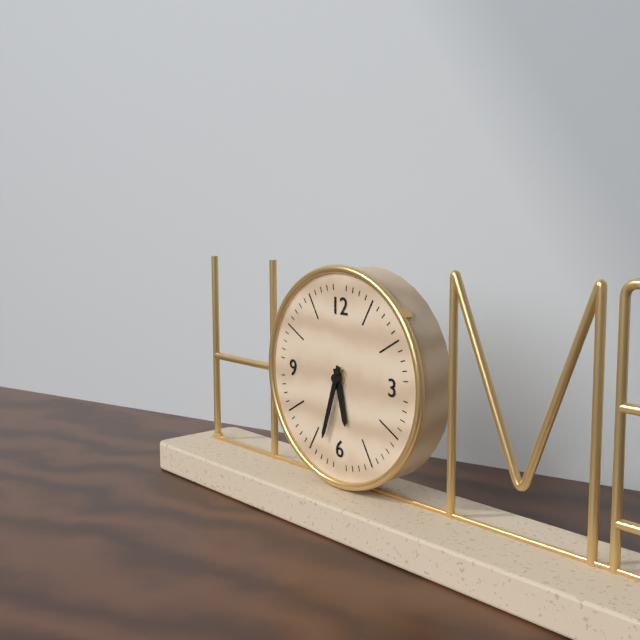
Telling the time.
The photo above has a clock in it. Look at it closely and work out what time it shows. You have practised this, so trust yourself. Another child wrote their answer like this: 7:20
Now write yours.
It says 5:33
